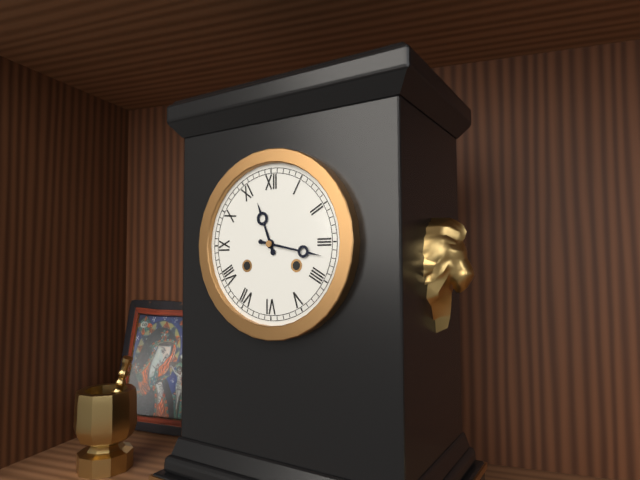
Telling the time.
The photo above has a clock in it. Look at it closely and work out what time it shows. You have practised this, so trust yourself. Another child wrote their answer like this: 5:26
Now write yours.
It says 11:17
